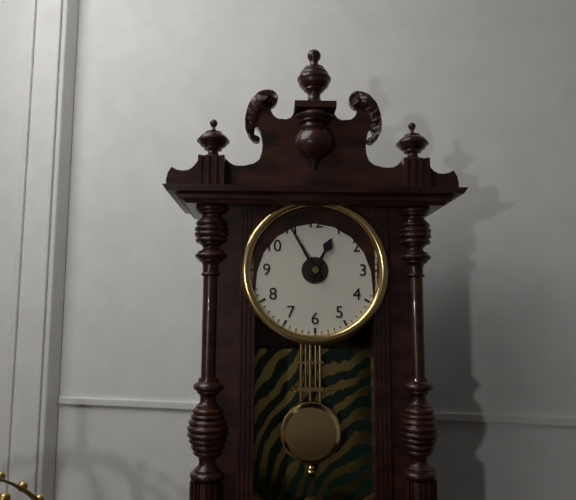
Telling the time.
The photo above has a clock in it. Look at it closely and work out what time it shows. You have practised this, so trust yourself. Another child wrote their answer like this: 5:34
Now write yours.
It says 12:55
